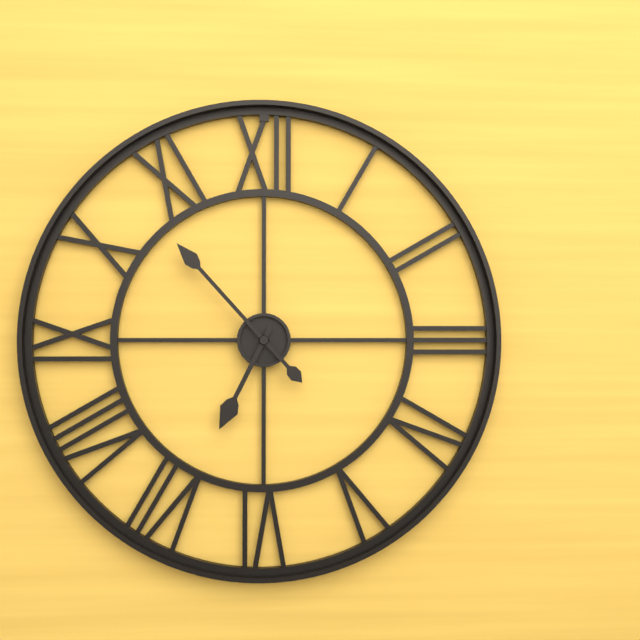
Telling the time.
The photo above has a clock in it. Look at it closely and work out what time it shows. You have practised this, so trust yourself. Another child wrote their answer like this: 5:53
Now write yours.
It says 6:53
